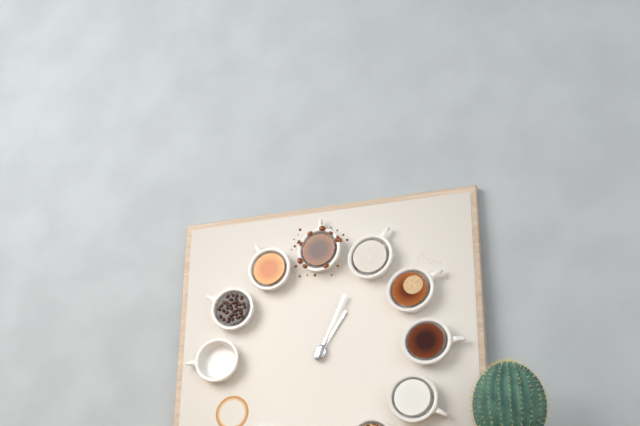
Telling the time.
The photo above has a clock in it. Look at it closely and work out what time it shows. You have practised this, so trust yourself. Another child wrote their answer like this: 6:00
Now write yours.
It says 1:04
